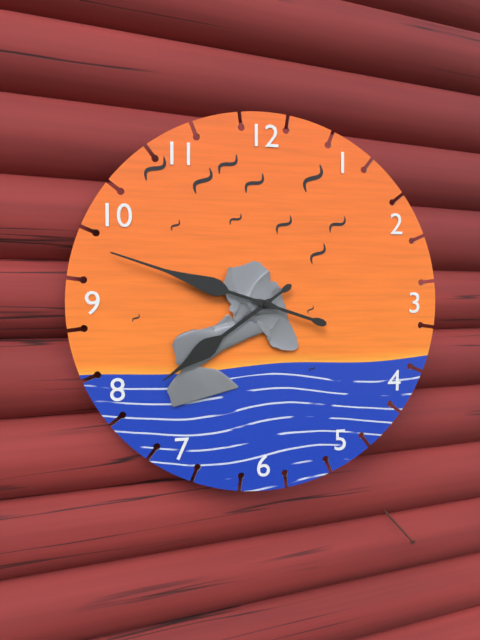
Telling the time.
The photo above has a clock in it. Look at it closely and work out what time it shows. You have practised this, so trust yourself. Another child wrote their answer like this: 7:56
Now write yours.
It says 7:48
